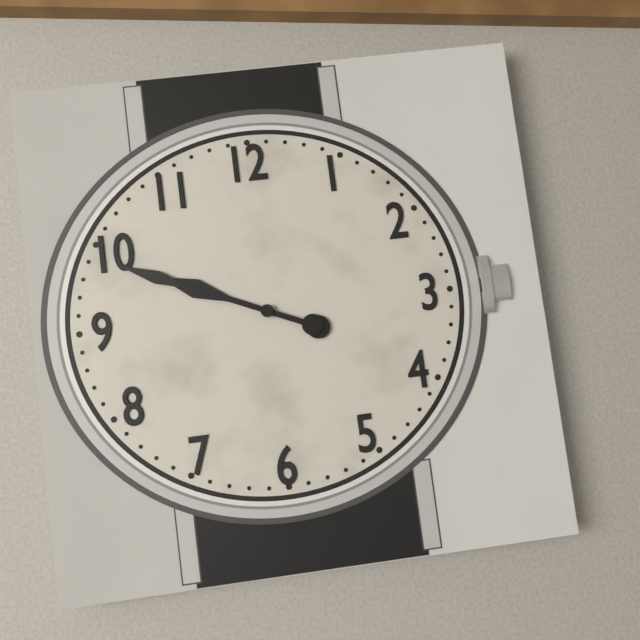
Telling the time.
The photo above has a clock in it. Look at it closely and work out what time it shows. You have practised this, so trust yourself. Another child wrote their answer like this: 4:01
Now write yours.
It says 9:49
